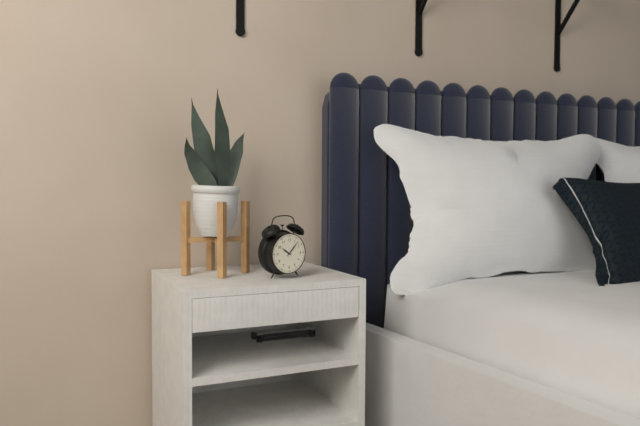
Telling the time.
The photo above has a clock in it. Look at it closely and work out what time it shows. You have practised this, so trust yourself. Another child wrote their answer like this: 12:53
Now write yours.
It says 10:07
